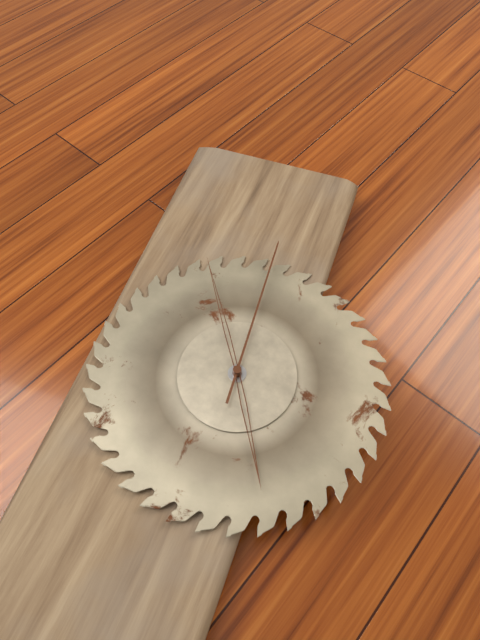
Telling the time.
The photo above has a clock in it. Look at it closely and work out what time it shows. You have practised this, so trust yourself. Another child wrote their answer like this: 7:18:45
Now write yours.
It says 4:54:59
